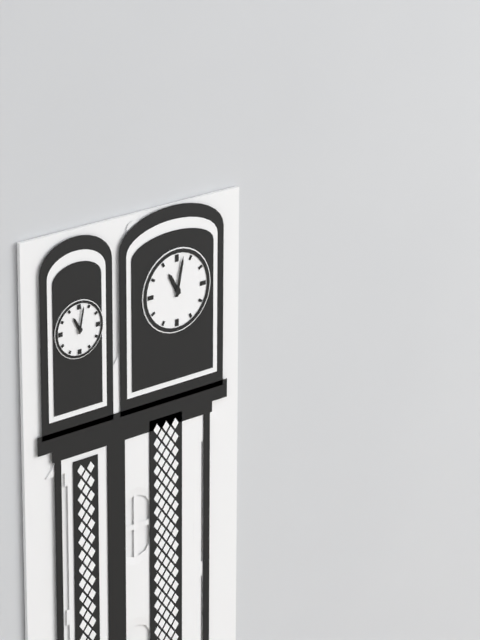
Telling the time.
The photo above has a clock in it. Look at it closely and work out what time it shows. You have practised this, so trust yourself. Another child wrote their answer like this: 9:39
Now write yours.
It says 11:02
